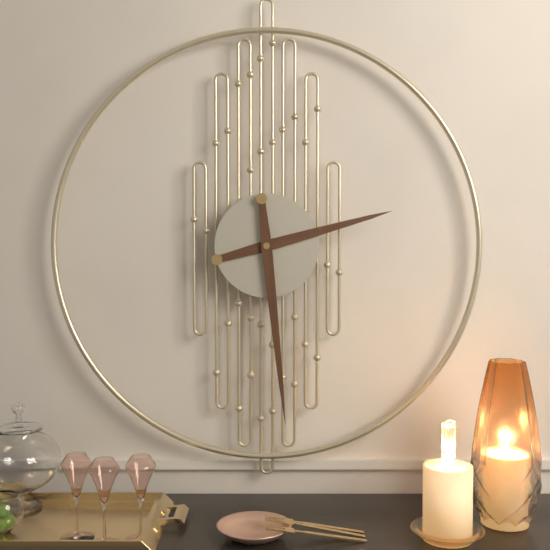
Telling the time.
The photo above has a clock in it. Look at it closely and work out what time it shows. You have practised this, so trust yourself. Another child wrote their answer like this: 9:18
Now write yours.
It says 2:29
